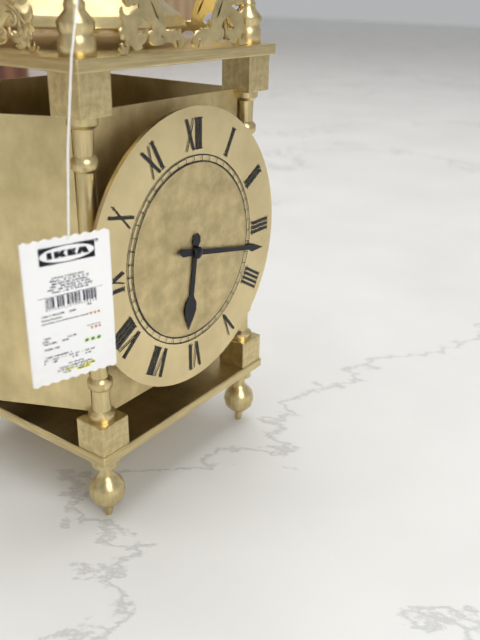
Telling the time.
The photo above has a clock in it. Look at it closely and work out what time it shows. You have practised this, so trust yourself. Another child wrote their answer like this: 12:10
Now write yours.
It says 6:17
